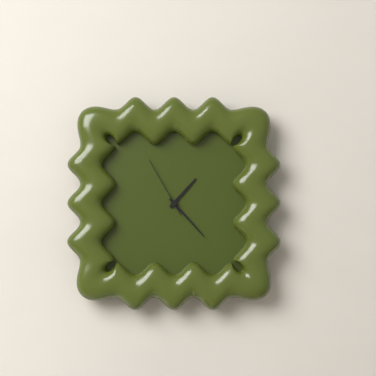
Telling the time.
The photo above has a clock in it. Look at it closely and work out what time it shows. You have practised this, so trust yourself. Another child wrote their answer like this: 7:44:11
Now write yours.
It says 1:23:55
